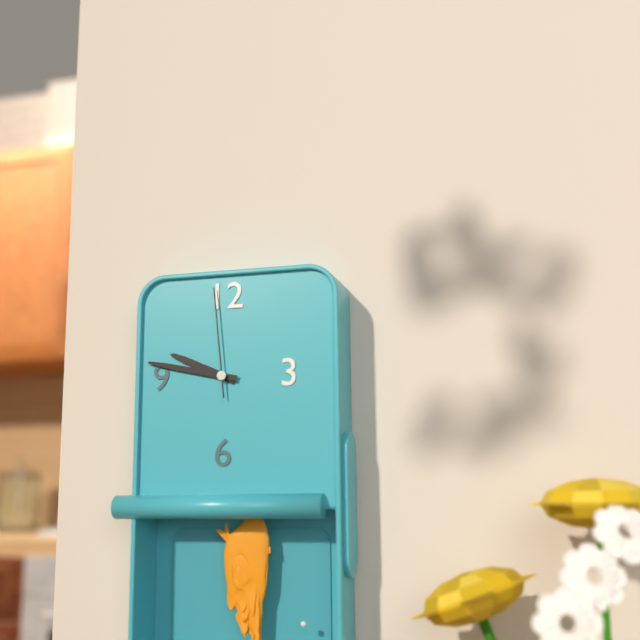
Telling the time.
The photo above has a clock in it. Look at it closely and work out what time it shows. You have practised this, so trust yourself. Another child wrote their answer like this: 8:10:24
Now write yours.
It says 9:47:59
